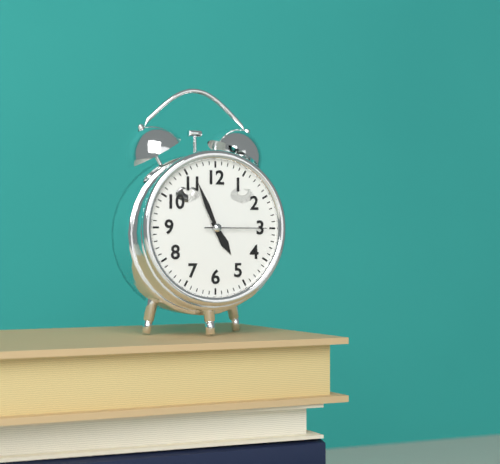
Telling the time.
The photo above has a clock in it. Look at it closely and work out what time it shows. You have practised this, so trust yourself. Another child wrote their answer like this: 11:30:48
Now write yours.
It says 4:56:15
